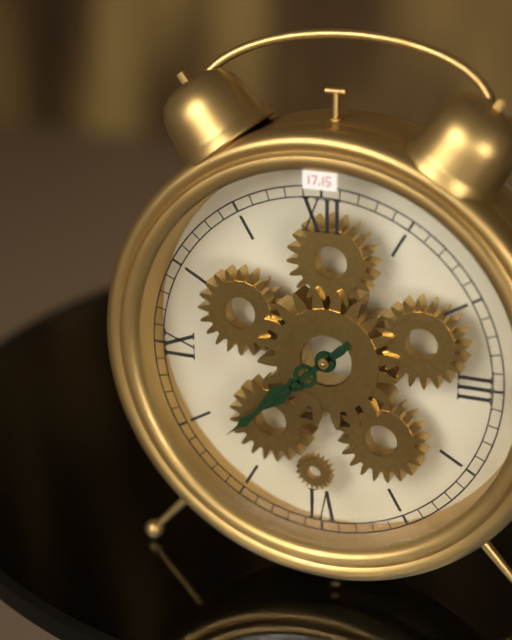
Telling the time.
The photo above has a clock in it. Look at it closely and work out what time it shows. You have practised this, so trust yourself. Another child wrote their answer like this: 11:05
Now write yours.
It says 7:38
